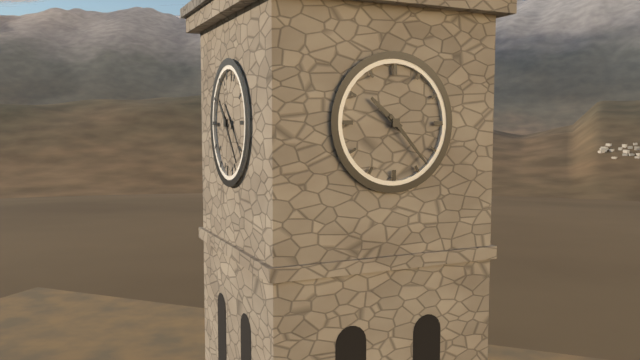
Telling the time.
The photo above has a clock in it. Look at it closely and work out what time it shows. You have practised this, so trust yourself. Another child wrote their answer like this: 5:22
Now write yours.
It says 10:23
